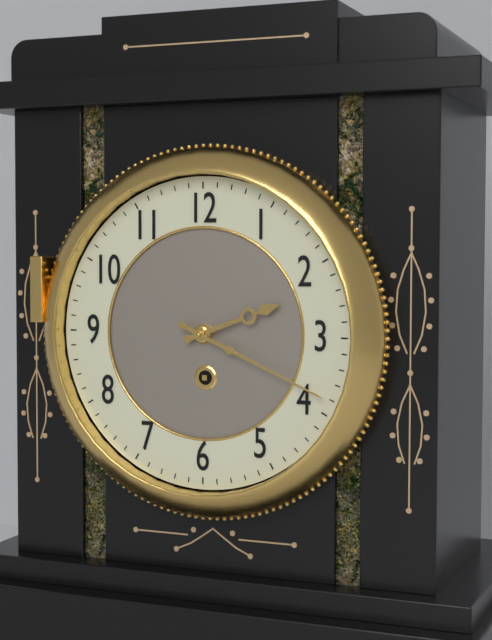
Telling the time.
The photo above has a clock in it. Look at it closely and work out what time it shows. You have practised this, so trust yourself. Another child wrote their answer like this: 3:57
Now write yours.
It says 2:19
